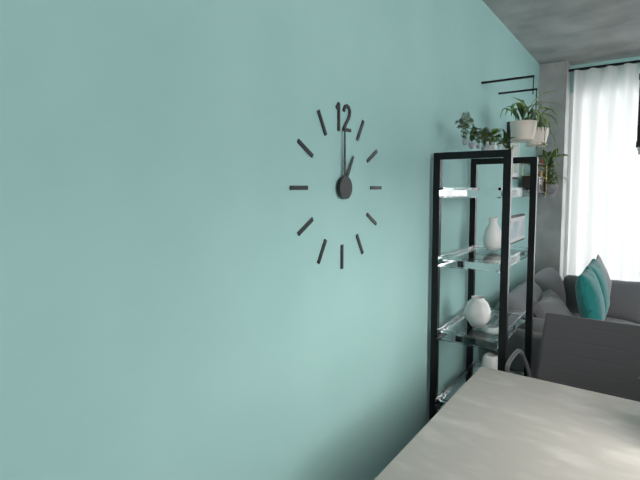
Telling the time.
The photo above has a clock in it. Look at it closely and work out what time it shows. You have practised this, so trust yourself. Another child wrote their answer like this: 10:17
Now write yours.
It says 1:00
